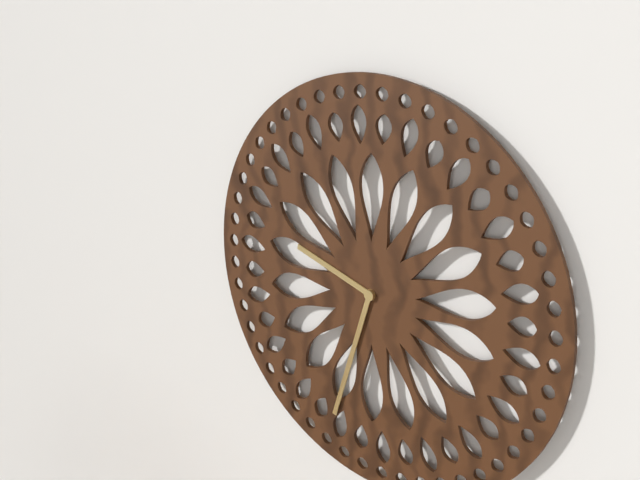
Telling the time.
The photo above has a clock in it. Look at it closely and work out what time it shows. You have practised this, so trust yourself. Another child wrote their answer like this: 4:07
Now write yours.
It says 9:33
